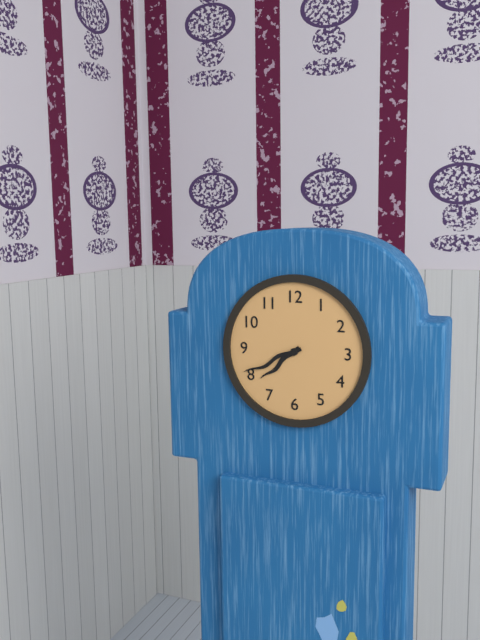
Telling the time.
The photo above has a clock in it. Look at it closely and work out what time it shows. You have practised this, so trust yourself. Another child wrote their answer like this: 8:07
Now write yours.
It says 7:41
